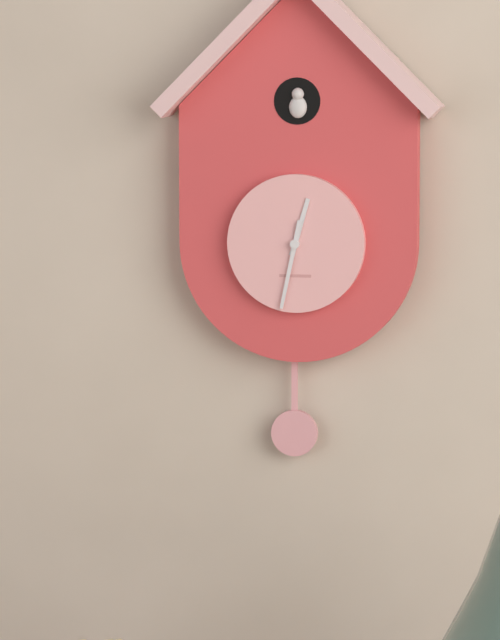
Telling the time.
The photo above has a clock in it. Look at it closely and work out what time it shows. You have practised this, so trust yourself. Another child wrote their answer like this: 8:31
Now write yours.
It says 12:32
